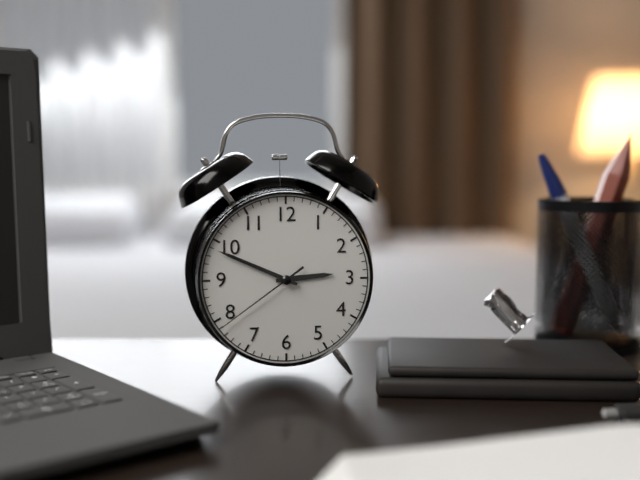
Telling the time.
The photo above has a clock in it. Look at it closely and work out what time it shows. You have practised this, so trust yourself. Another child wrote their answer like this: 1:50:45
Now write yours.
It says 2:49:39
